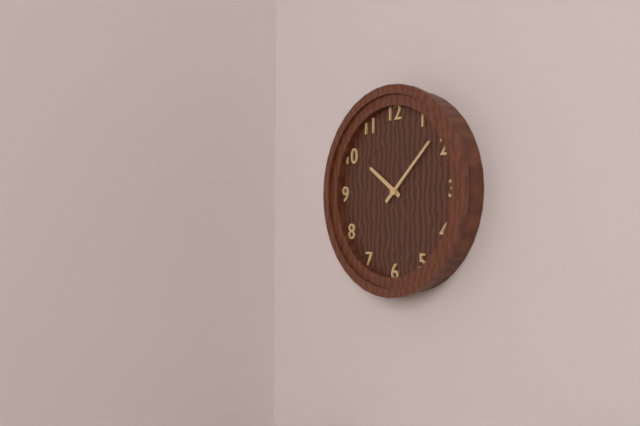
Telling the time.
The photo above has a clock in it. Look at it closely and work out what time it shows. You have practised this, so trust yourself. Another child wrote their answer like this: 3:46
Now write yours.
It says 10:08
